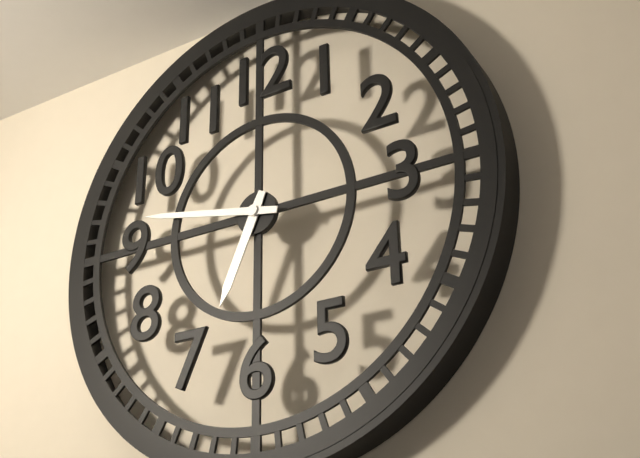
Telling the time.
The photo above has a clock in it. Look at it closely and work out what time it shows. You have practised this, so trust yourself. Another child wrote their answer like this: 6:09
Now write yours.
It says 6:47
